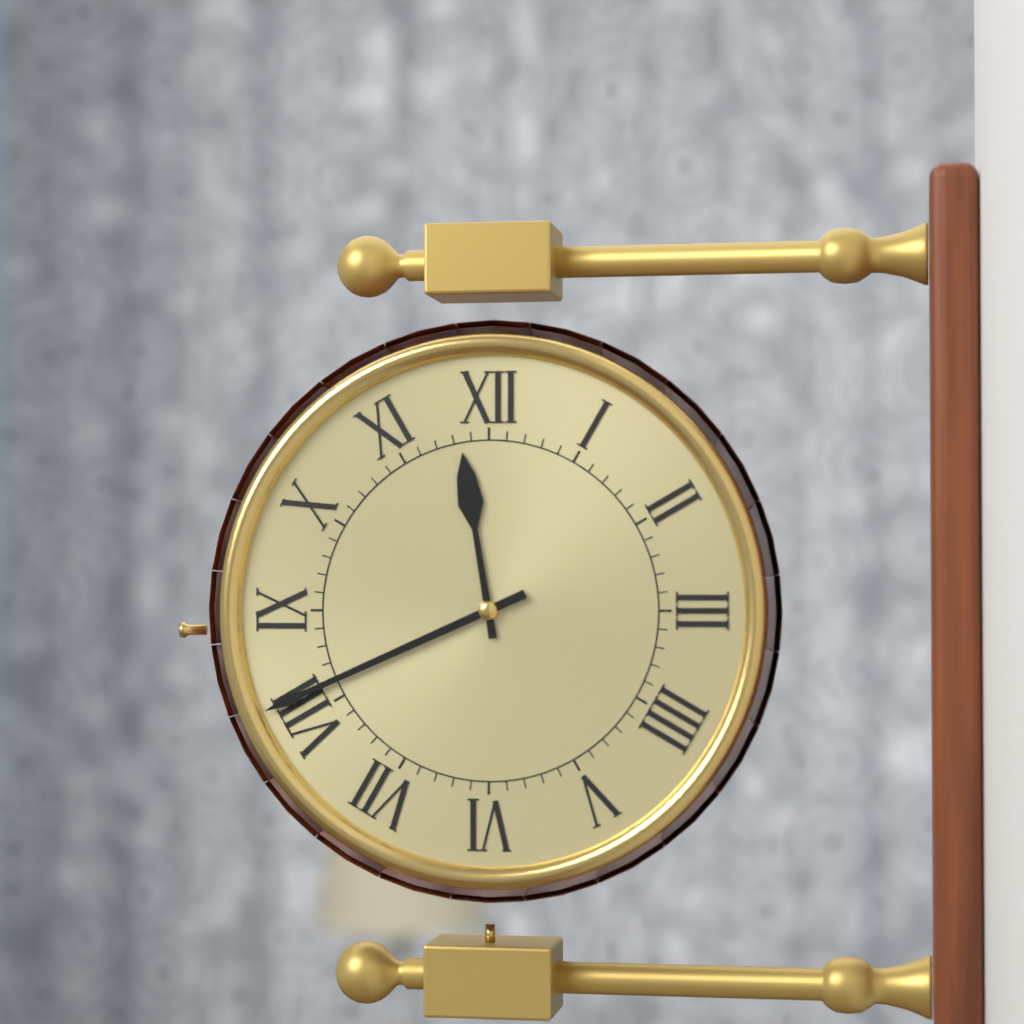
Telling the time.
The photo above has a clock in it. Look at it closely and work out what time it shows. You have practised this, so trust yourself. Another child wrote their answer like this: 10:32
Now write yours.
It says 11:41
